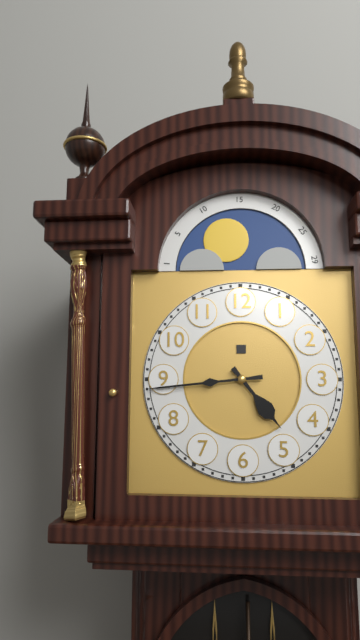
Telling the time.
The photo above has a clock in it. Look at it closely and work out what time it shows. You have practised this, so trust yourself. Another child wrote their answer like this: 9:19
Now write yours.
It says 4:44
